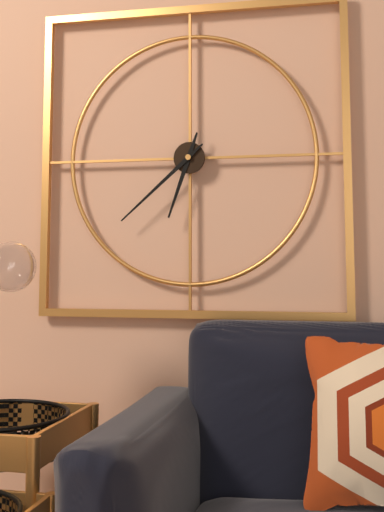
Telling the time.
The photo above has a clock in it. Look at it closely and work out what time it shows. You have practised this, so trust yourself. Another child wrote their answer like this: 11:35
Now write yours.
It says 6:38
